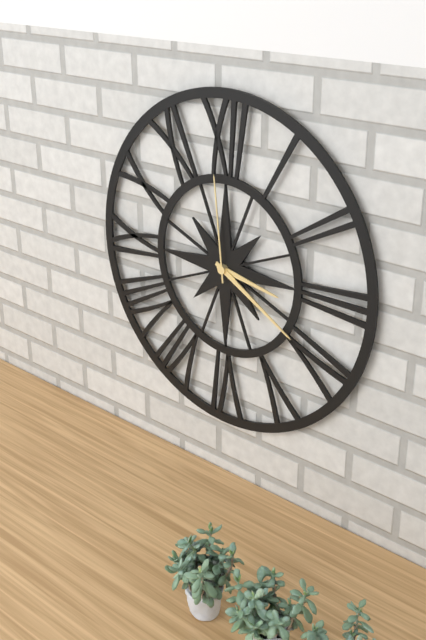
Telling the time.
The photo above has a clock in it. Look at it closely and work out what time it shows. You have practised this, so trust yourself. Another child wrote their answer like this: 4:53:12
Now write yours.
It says 3:20:59
